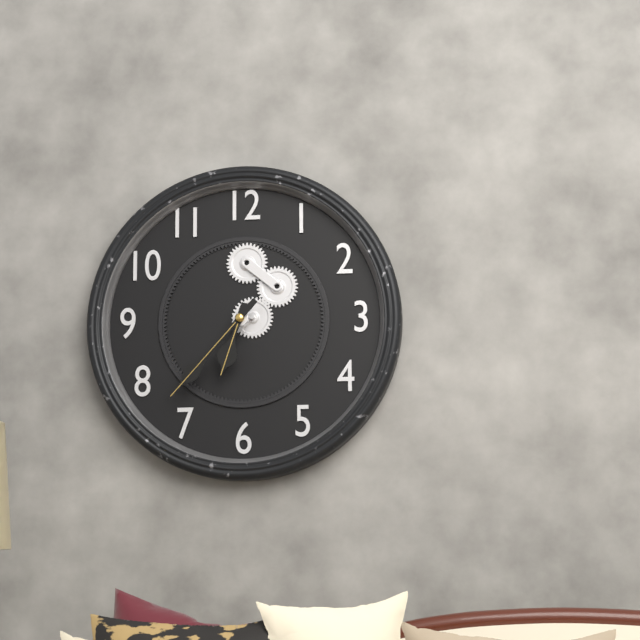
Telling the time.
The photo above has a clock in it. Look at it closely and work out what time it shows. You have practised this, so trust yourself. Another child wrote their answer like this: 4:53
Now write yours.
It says 6:37
